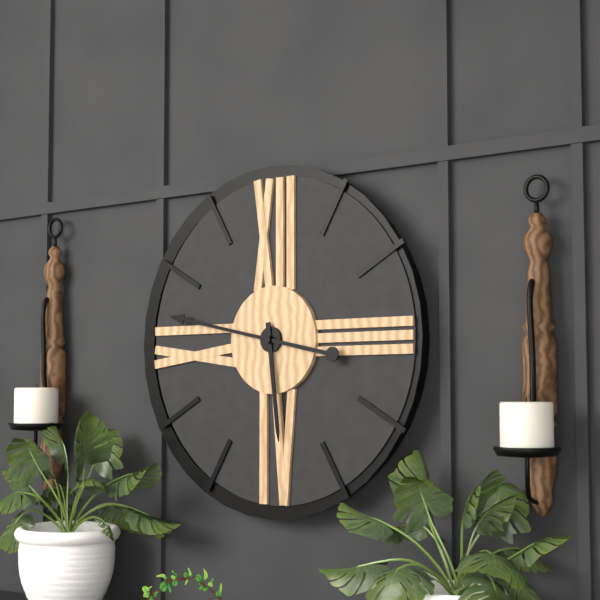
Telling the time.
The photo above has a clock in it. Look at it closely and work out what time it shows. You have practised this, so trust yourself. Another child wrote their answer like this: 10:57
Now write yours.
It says 5:47
